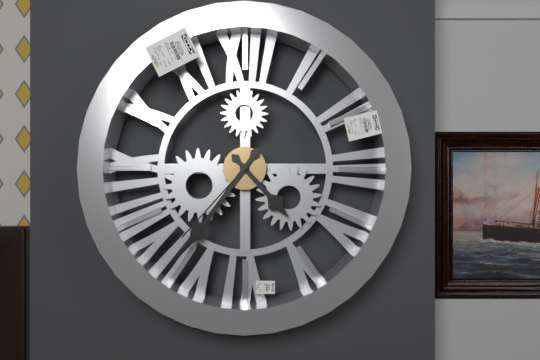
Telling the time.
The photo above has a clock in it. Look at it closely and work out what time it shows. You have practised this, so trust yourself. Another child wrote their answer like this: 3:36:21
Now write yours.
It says 4:36:37
